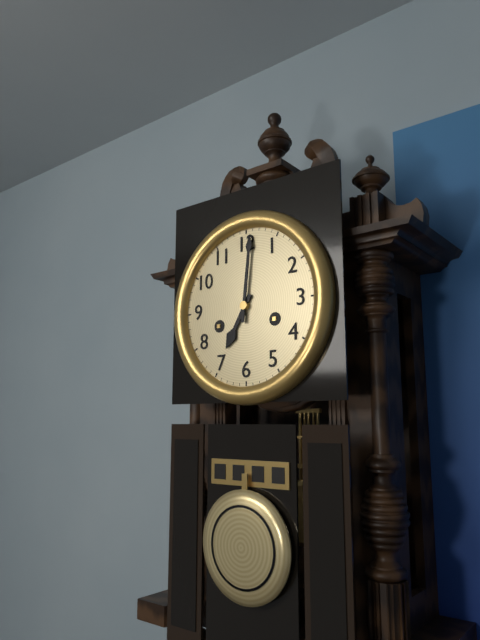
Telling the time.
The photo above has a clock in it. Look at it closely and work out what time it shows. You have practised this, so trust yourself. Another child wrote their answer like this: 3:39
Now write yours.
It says 7:01
